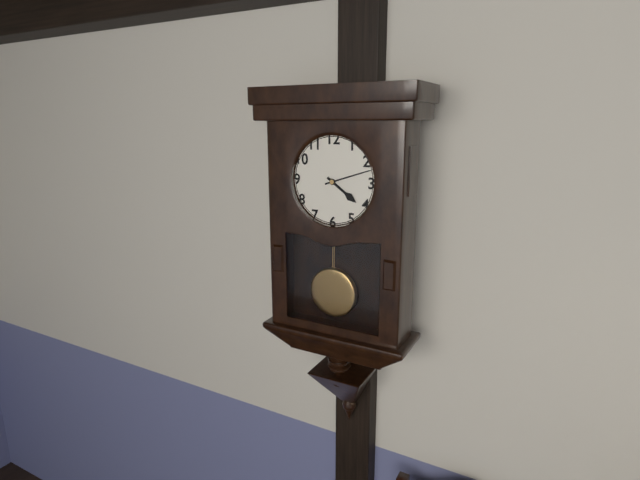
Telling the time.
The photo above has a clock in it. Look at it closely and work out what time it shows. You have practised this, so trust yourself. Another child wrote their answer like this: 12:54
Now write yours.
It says 4:12
